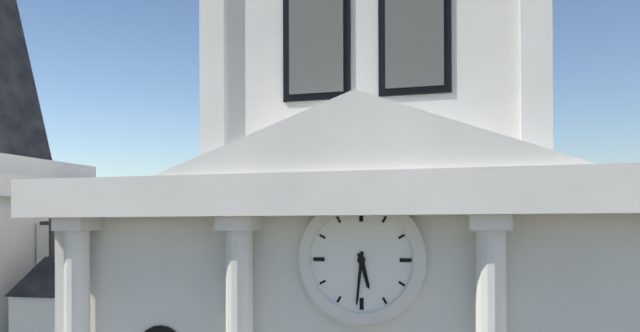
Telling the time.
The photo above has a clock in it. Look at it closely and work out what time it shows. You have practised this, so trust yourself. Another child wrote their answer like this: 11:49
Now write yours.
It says 5:31
